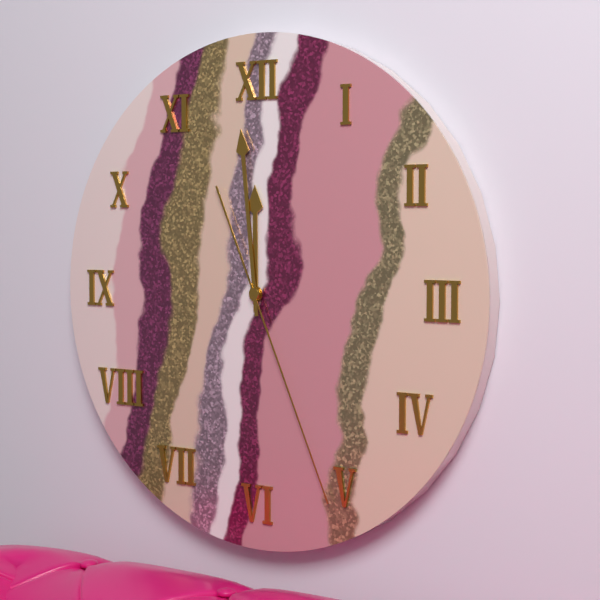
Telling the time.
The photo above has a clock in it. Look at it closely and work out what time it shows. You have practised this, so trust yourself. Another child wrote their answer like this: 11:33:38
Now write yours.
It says 11:59:26
